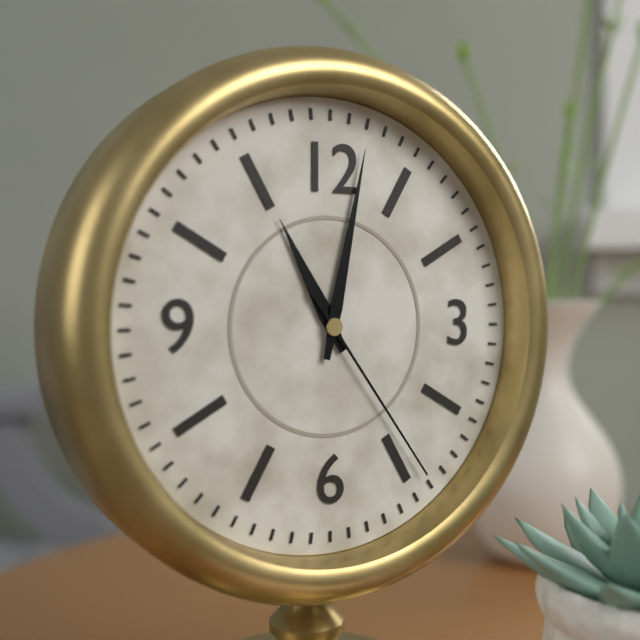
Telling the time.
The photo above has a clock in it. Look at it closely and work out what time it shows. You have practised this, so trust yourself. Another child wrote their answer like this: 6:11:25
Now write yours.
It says 11:02:24
